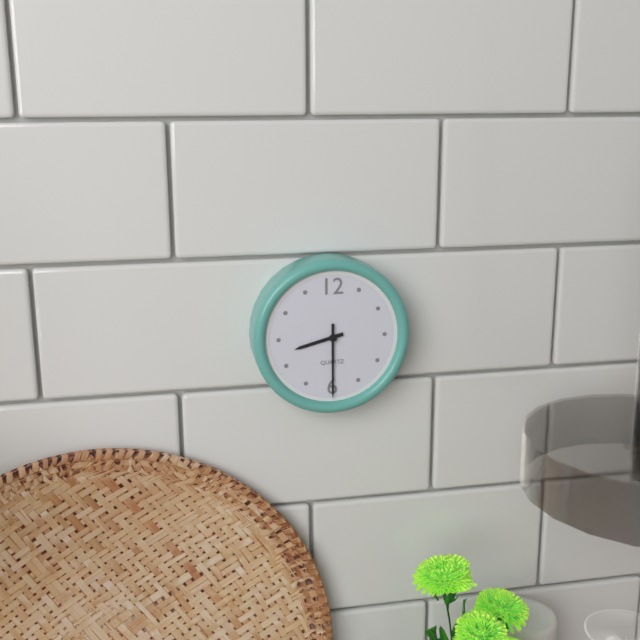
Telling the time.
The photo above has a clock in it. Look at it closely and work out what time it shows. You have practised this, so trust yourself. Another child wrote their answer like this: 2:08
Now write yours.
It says 8:30
